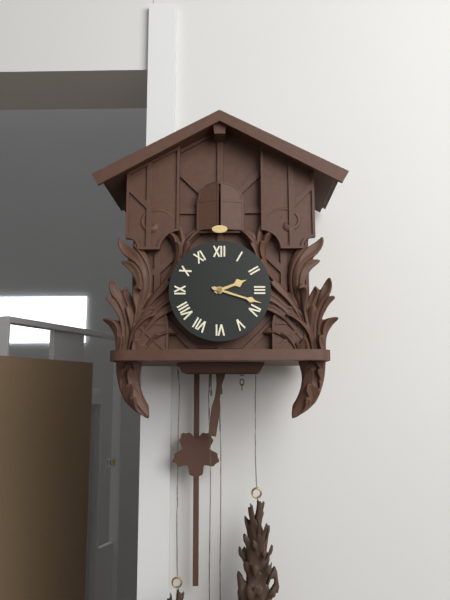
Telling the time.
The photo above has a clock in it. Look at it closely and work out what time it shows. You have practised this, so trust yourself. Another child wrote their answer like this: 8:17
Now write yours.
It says 2:18
